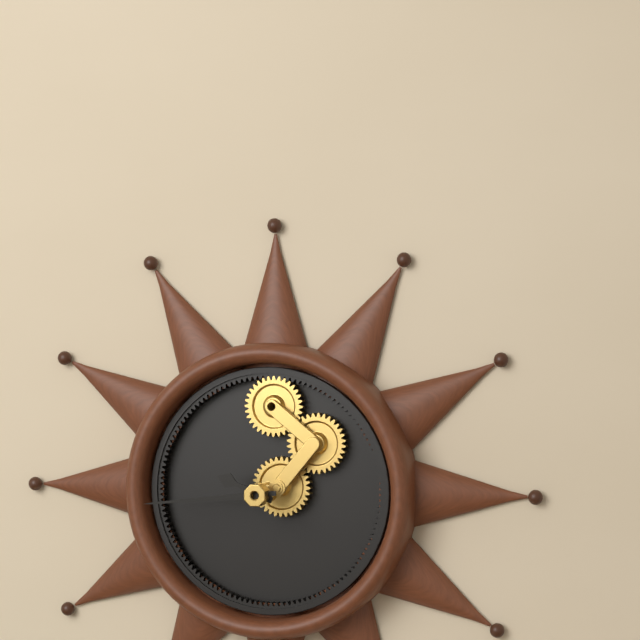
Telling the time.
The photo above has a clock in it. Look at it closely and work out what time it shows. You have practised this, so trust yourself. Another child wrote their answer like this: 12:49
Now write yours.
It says 9:44
